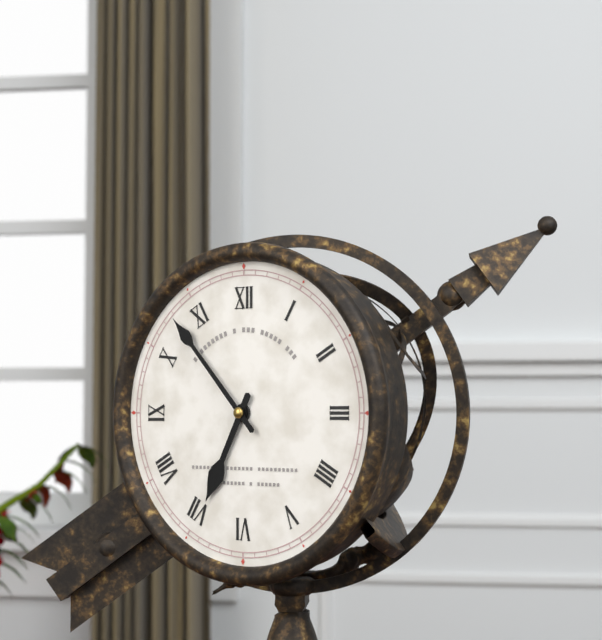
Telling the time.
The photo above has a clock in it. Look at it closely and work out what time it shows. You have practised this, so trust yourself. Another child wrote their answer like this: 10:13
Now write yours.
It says 6:53
